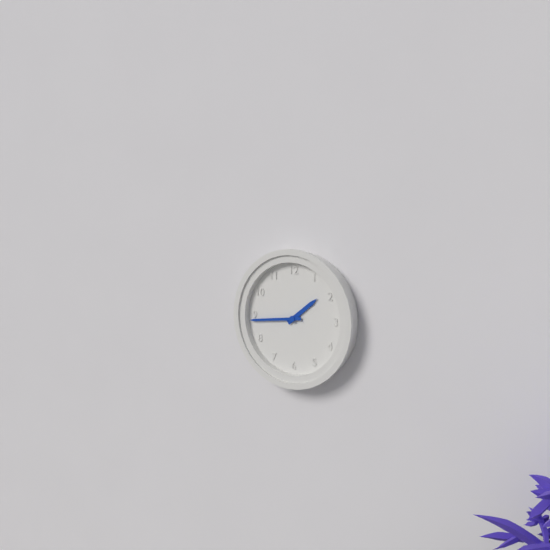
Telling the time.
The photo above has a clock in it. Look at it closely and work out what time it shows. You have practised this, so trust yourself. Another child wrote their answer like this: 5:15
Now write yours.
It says 1:44
